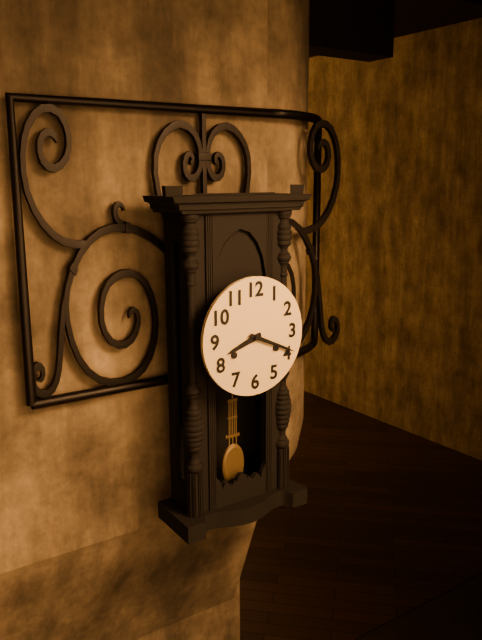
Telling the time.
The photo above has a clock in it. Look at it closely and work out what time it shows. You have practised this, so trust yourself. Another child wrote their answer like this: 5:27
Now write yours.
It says 8:19
